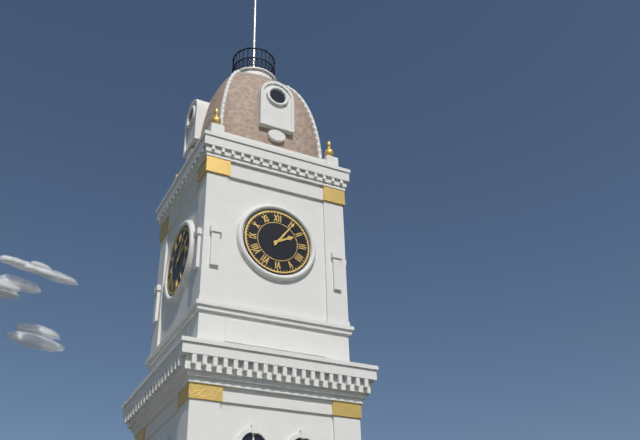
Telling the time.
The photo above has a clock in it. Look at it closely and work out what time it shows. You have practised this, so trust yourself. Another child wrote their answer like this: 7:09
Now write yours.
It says 2:06
